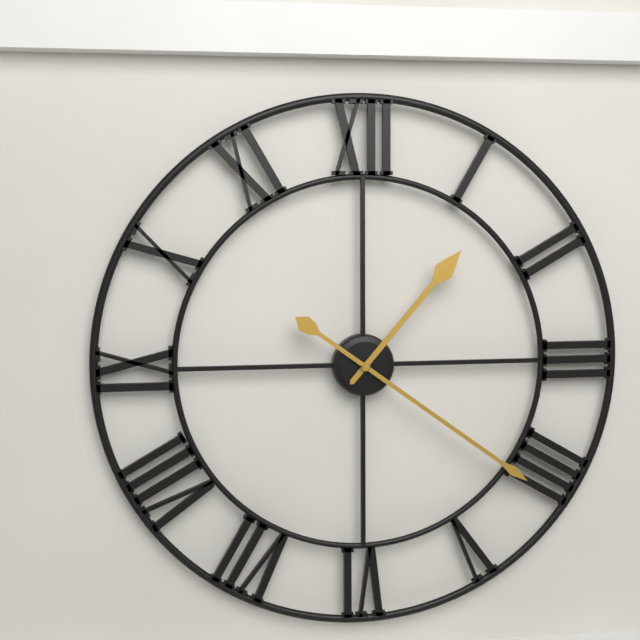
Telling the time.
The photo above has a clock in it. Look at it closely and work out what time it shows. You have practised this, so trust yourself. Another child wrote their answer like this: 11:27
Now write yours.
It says 1:21
